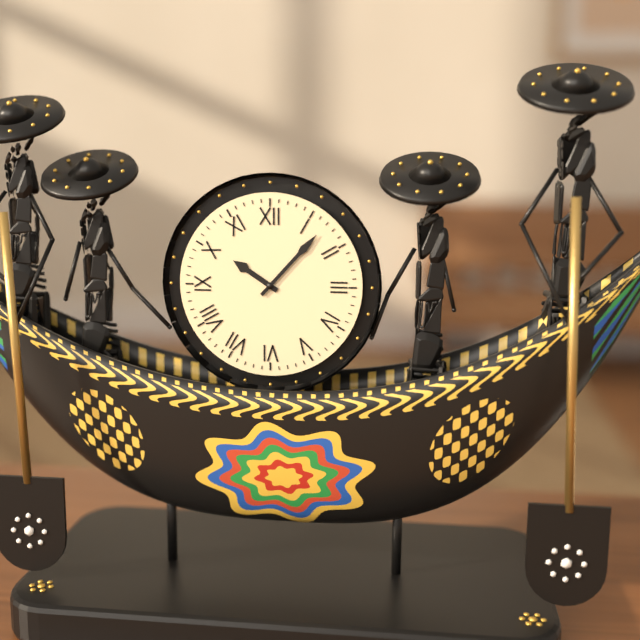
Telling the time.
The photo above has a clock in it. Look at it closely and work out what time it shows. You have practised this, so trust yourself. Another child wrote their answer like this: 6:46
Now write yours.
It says 10:07
